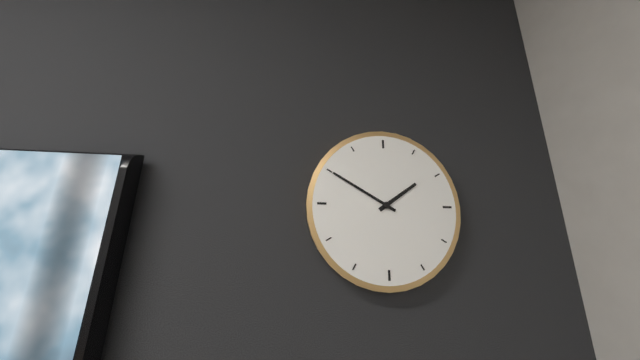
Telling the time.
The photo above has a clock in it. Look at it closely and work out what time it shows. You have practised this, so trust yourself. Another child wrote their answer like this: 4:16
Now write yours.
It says 1:50
